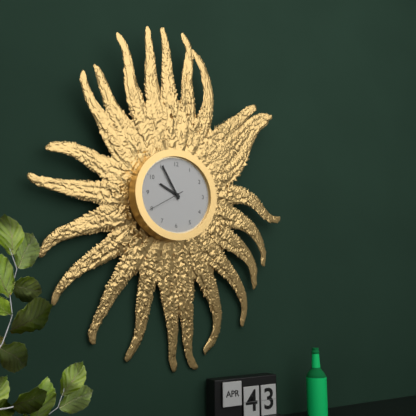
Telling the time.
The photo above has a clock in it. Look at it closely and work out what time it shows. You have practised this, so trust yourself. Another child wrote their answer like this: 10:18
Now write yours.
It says 9:55
